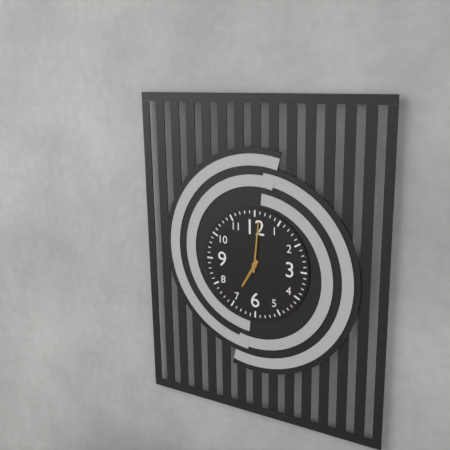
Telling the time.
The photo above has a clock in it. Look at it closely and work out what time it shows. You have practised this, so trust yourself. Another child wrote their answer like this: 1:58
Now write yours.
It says 7:01
